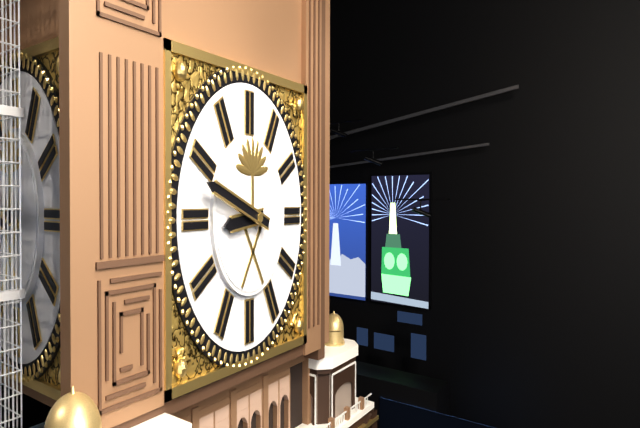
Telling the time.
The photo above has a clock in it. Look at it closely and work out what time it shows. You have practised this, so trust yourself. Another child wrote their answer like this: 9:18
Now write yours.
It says 8:48
